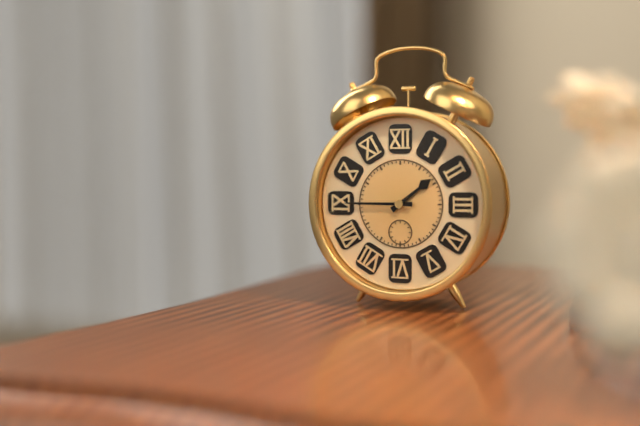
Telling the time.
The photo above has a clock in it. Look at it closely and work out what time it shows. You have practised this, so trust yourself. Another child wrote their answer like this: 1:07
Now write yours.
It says 1:45
